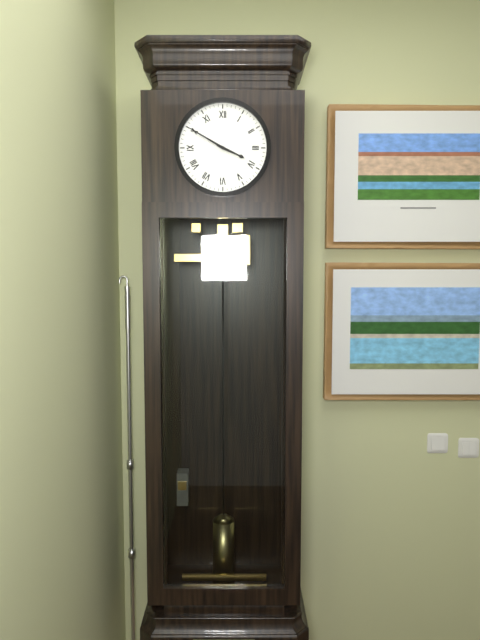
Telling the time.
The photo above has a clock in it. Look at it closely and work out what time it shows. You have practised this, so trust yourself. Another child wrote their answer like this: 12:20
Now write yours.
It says 3:50
